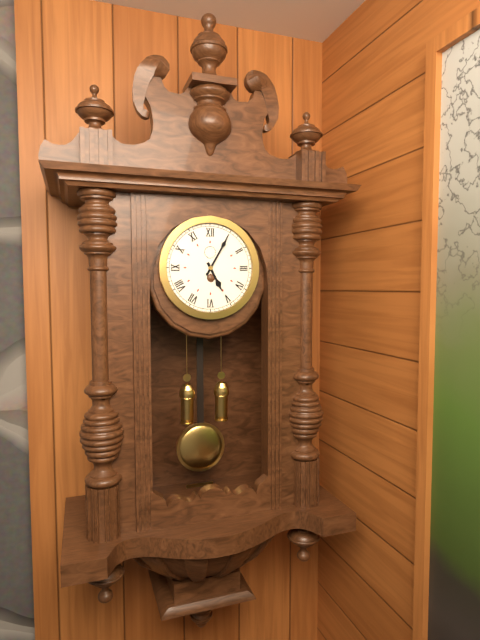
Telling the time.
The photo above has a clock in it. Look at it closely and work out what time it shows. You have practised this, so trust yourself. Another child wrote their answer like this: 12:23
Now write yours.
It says 5:05
